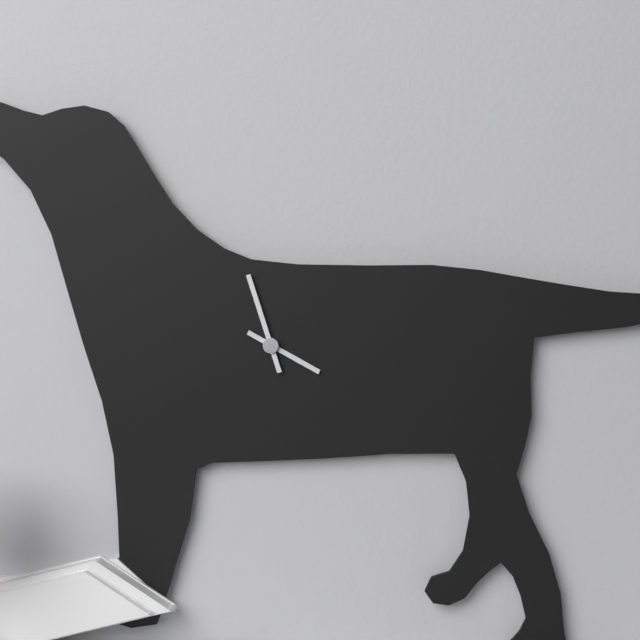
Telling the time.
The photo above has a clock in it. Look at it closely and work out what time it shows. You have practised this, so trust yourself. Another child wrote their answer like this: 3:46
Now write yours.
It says 3:57
